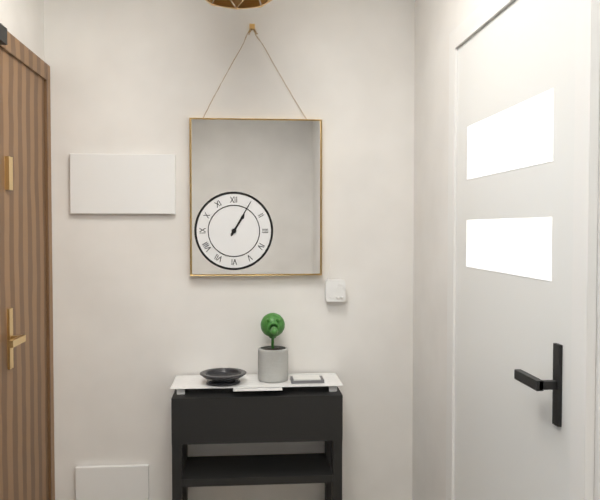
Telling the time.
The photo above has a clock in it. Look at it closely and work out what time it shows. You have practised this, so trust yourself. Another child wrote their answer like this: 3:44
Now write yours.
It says 1:05
